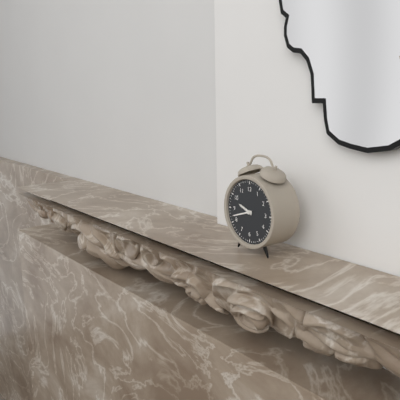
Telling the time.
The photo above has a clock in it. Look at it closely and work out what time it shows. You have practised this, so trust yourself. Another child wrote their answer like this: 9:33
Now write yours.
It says 9:42
